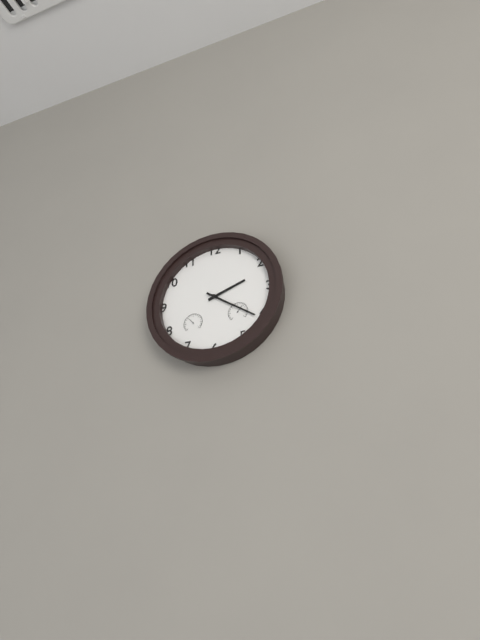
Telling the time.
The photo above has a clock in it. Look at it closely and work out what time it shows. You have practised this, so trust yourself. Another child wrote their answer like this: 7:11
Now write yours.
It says 2:21
